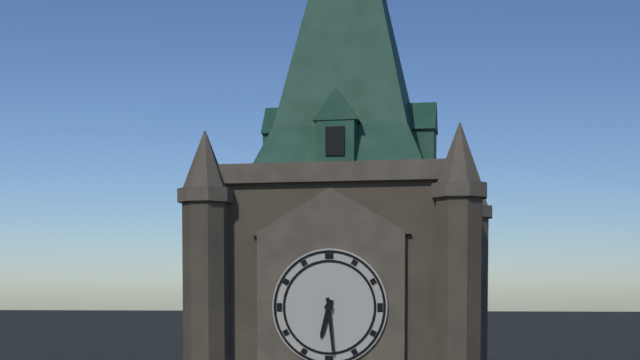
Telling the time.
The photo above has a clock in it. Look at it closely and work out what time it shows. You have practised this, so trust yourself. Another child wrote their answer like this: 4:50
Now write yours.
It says 6:29
